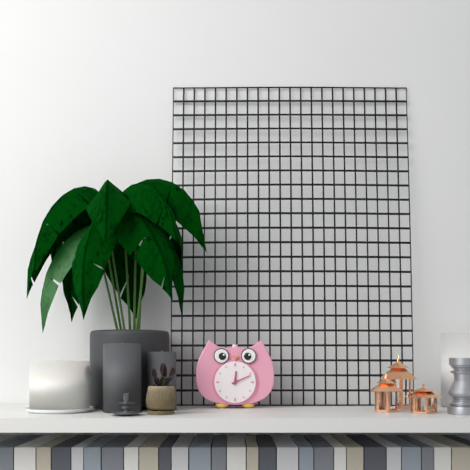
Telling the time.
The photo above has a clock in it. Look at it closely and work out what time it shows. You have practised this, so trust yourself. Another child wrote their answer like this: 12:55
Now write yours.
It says 12:11
